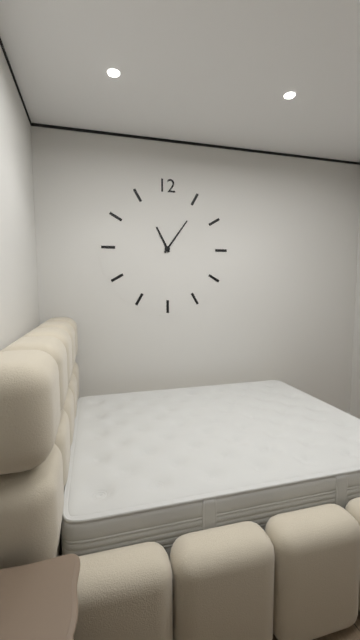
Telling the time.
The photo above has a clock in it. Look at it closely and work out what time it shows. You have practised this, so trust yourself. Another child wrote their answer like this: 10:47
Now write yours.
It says 11:06
